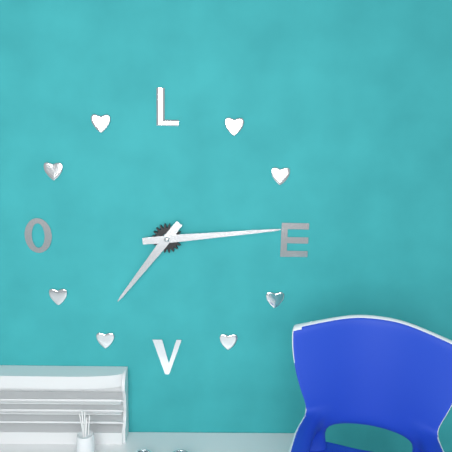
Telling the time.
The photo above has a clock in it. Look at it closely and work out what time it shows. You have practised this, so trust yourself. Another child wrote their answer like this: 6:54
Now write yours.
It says 7:14
